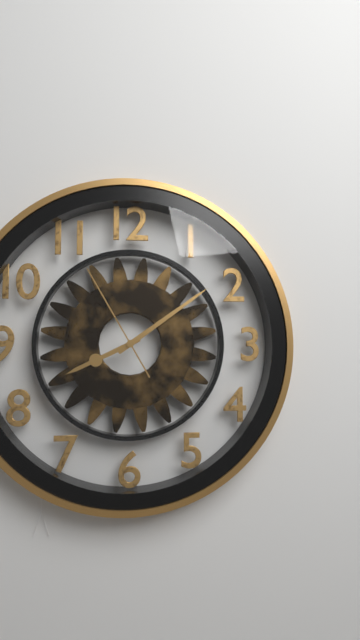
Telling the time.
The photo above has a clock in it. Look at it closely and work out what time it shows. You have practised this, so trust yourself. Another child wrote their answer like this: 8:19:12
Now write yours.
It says 8:09:55
